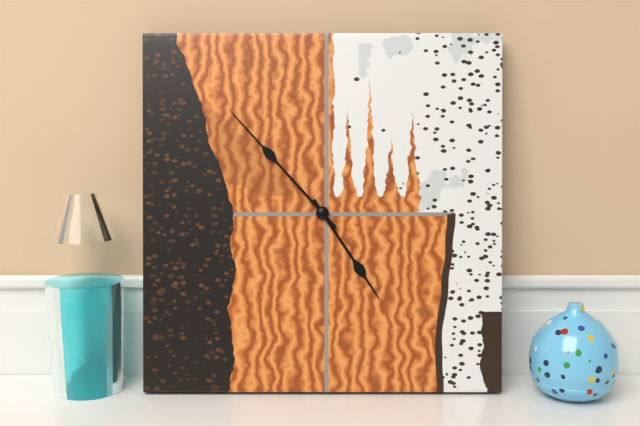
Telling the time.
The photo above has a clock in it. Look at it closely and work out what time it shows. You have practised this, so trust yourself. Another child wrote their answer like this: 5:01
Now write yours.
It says 4:53
